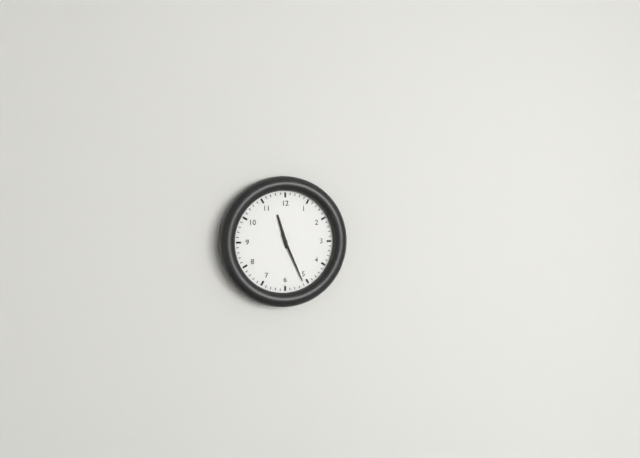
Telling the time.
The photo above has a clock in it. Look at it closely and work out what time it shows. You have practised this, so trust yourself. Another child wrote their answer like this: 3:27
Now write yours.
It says 11:26
